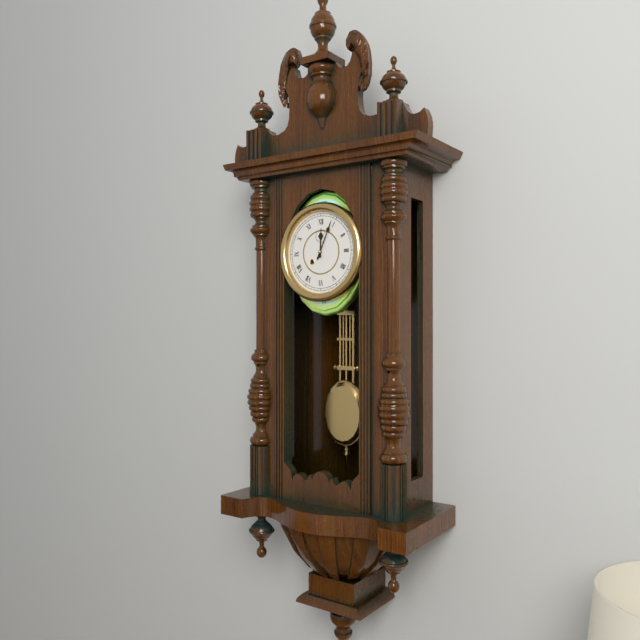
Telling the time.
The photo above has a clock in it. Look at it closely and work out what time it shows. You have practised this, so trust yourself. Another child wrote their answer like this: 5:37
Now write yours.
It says 12:04
